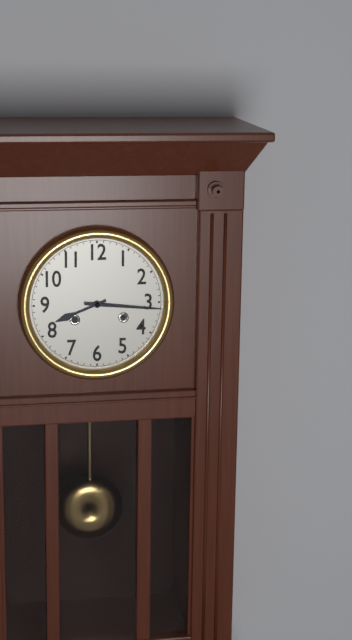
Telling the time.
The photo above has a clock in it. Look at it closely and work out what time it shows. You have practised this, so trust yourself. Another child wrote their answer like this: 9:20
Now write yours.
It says 8:16
